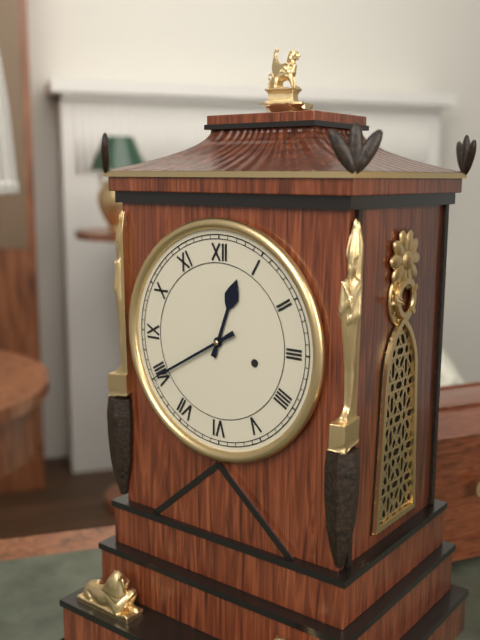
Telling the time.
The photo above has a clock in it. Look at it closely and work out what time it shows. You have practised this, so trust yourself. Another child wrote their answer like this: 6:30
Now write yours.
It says 12:40
